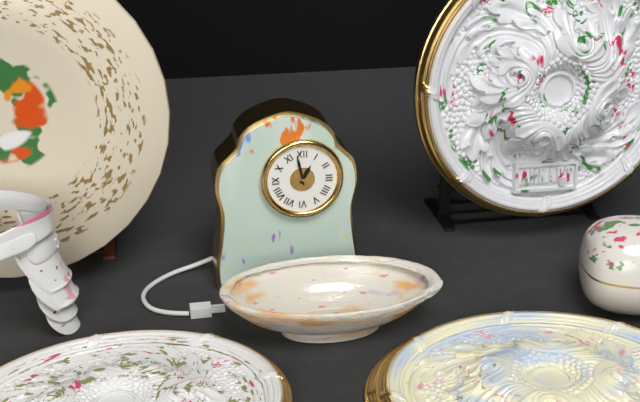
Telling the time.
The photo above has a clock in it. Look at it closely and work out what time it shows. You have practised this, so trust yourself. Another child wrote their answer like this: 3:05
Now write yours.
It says 12:58
